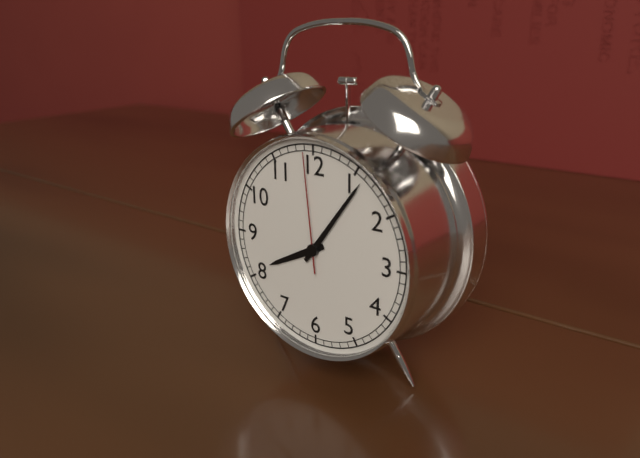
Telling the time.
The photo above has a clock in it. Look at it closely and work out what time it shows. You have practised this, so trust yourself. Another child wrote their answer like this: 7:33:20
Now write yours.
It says 8:06:59
